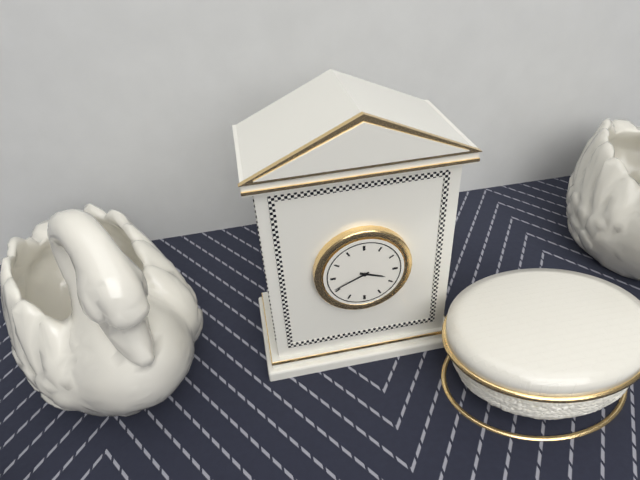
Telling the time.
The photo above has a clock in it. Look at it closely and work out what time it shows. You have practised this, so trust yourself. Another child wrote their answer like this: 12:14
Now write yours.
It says 3:41
